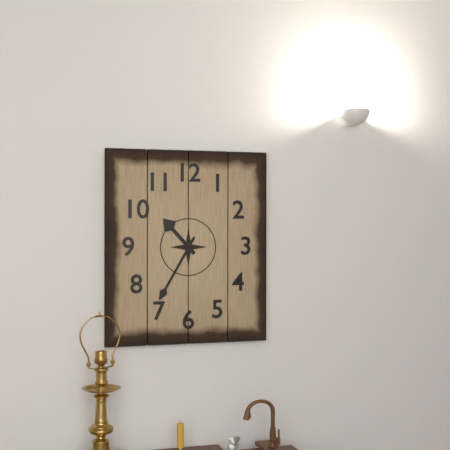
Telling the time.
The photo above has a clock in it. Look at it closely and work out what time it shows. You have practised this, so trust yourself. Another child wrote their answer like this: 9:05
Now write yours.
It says 10:35
